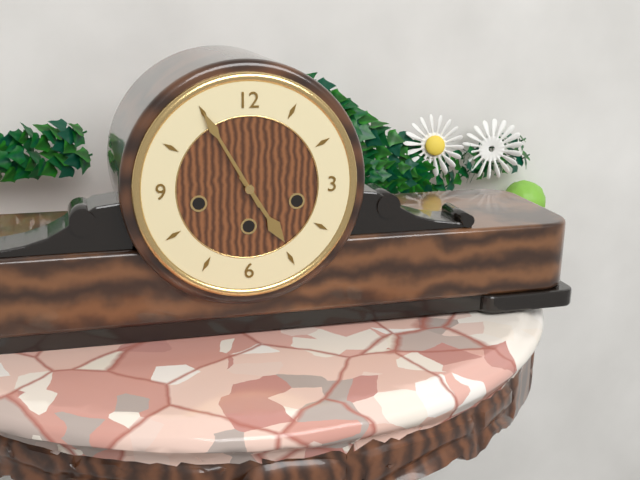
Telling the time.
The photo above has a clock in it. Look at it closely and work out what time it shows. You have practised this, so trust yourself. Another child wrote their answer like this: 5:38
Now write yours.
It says 4:55
